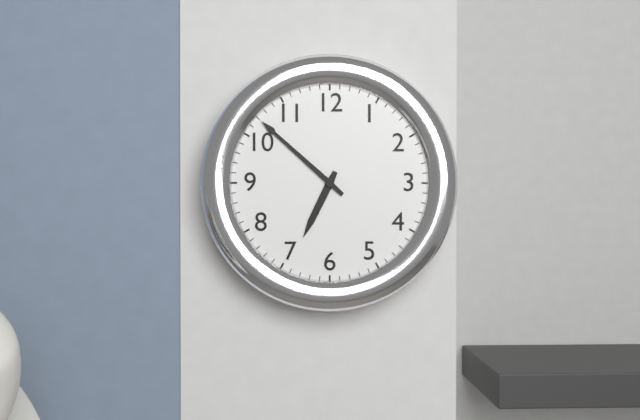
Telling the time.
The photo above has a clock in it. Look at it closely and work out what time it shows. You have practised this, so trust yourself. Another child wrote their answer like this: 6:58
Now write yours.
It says 6:52
